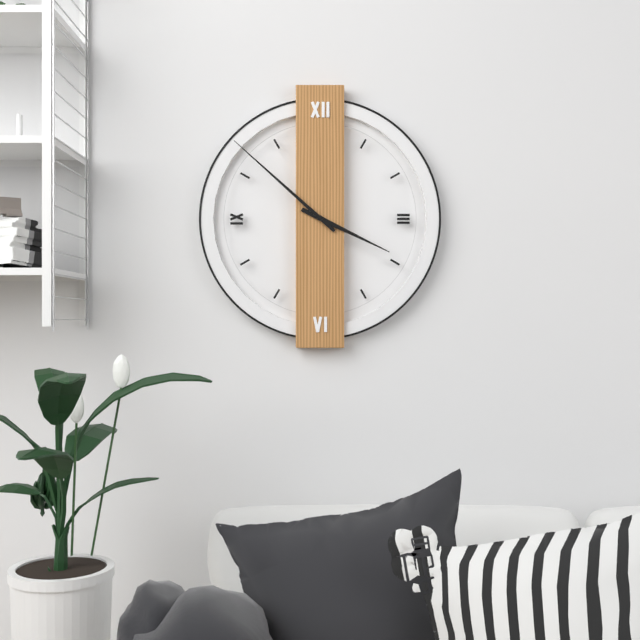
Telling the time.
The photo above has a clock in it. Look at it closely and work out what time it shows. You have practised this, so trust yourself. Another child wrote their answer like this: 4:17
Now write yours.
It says 3:52
